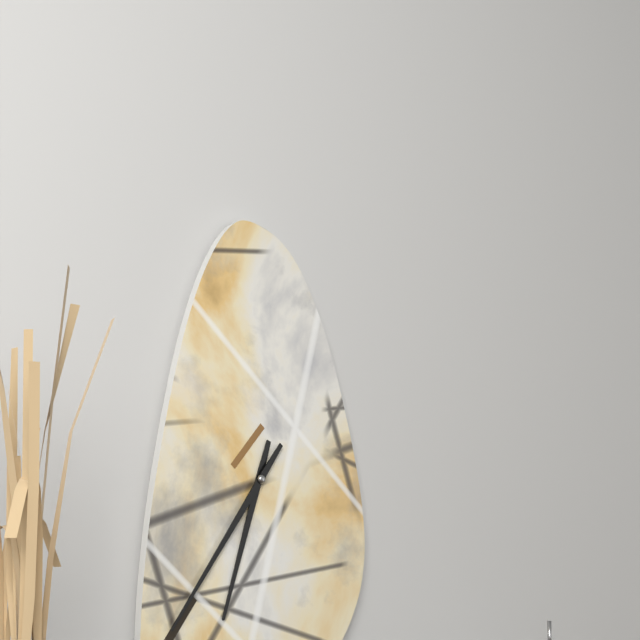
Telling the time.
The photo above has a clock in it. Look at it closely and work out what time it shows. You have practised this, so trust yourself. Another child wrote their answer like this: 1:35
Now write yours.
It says 6:36
